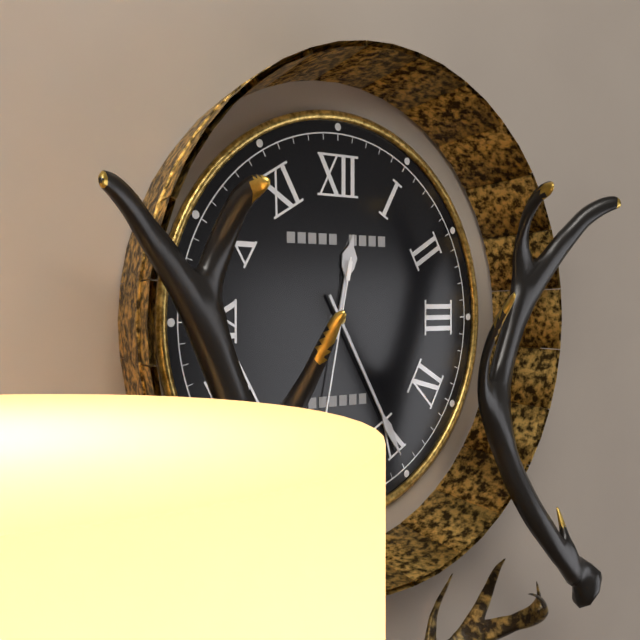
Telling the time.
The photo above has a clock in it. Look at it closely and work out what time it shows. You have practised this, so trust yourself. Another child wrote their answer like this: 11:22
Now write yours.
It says 12:25
